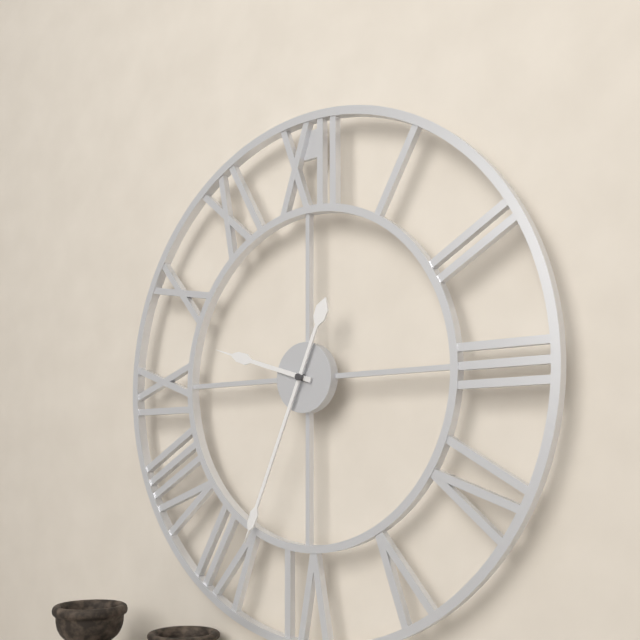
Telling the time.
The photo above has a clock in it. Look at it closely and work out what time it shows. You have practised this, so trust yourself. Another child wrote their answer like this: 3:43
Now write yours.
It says 9:34
